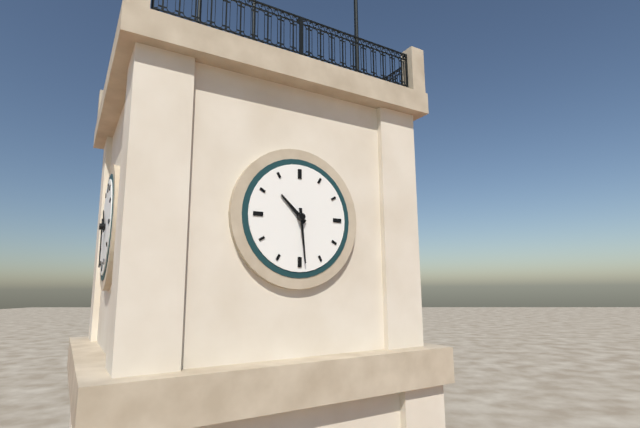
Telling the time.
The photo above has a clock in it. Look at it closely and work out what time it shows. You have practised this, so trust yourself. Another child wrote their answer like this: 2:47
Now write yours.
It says 10:29
